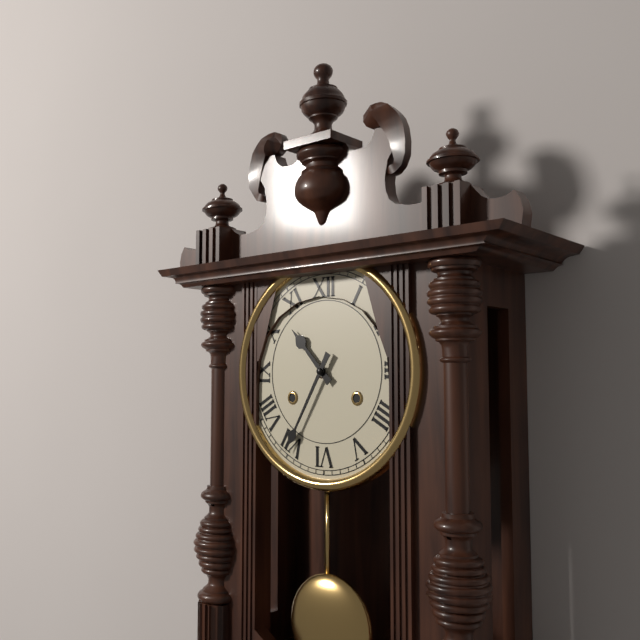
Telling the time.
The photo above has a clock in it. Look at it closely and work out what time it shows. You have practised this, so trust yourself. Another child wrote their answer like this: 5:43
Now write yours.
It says 10:35
